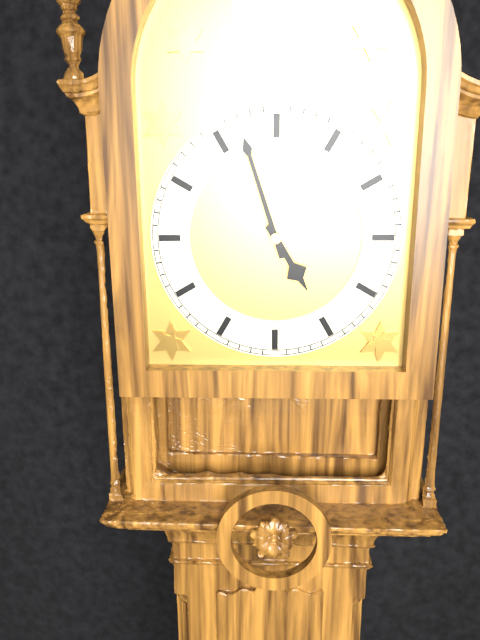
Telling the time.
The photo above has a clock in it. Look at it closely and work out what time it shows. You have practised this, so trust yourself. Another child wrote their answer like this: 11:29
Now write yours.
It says 4:57
